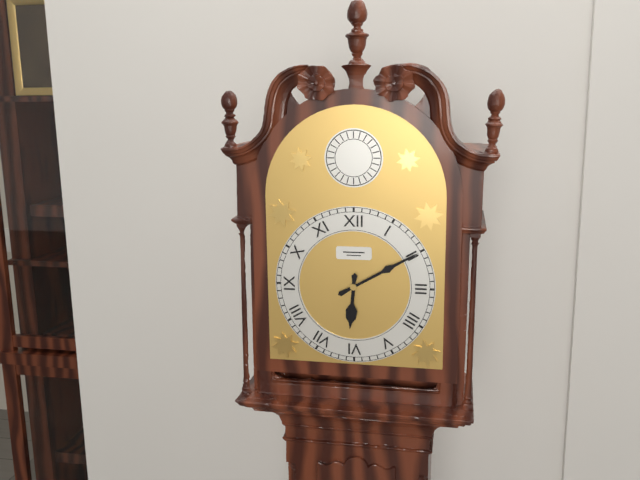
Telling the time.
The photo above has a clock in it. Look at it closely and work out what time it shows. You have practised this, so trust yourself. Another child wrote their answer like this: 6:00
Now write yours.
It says 6:10
